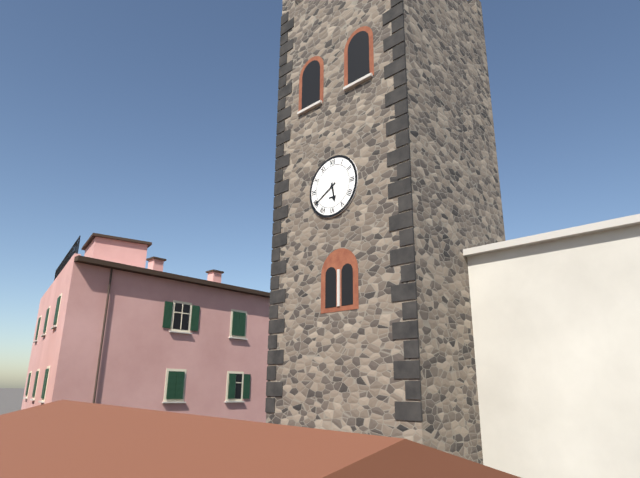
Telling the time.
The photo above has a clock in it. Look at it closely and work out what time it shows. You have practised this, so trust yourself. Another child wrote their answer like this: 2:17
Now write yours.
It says 5:40
